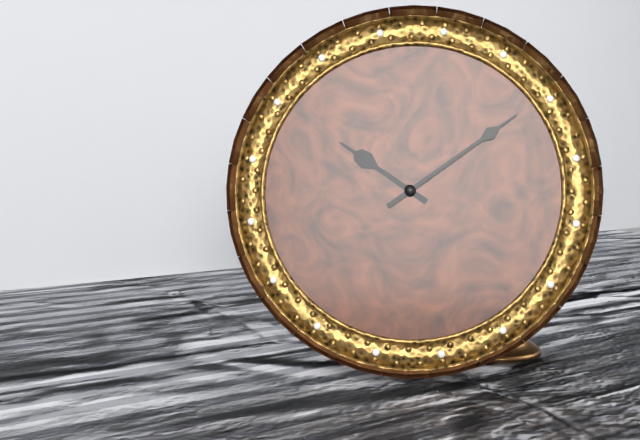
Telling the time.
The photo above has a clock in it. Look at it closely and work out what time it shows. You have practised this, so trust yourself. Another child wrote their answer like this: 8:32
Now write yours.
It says 10:09
